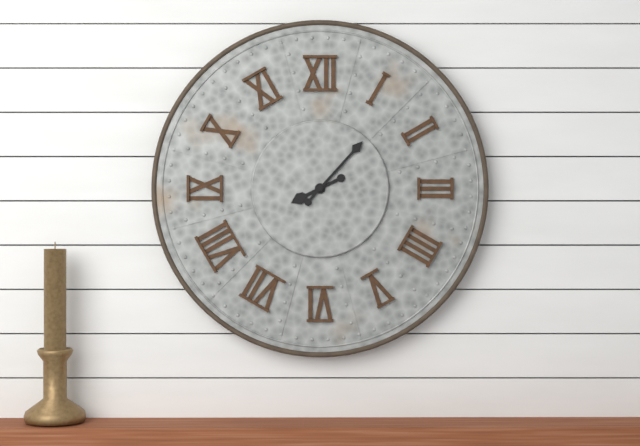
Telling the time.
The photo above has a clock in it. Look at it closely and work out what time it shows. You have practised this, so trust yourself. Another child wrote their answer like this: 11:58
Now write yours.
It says 8:07
